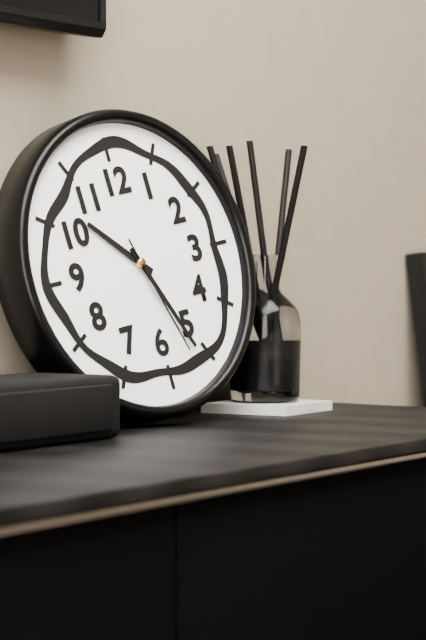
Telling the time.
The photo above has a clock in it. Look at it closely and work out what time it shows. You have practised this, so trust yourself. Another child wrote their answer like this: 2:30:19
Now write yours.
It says 10:26:27
